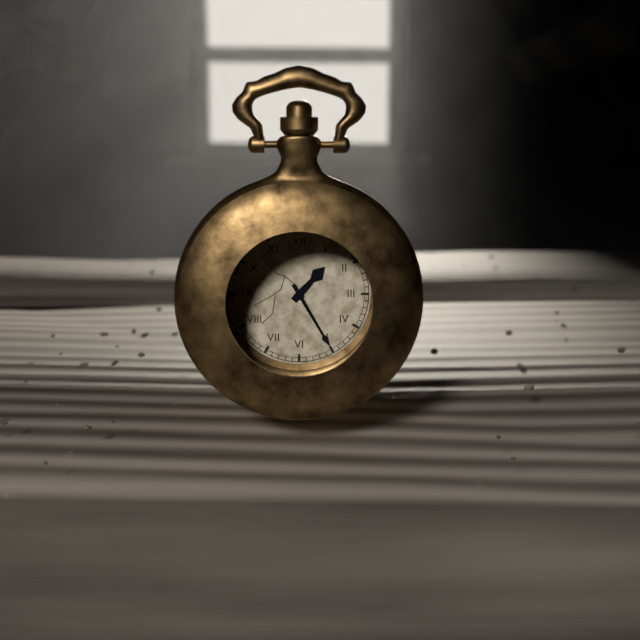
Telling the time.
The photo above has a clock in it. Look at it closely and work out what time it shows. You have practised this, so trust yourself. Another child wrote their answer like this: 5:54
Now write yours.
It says 1:25
